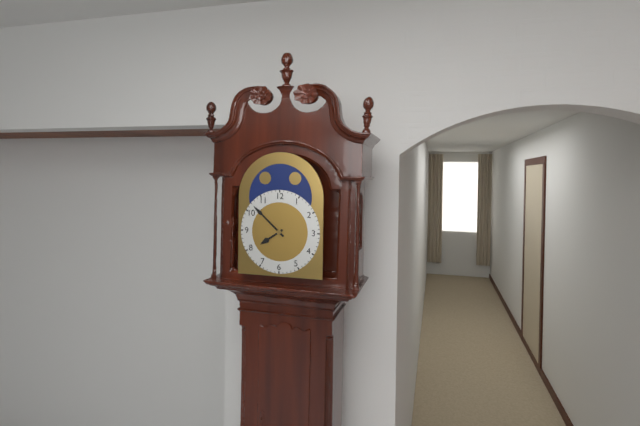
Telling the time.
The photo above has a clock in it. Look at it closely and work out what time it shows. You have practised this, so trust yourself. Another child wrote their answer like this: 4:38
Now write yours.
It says 7:52
